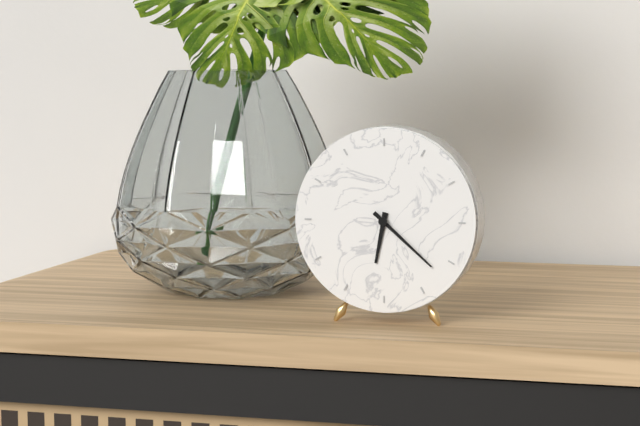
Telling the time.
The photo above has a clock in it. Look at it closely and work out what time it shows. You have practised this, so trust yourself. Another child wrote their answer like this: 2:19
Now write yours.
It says 6:22
